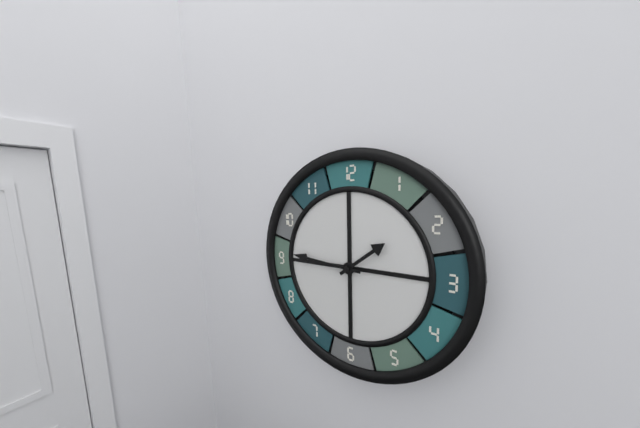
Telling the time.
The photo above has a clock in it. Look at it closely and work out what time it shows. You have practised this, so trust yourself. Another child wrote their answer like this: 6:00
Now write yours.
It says 1:46
